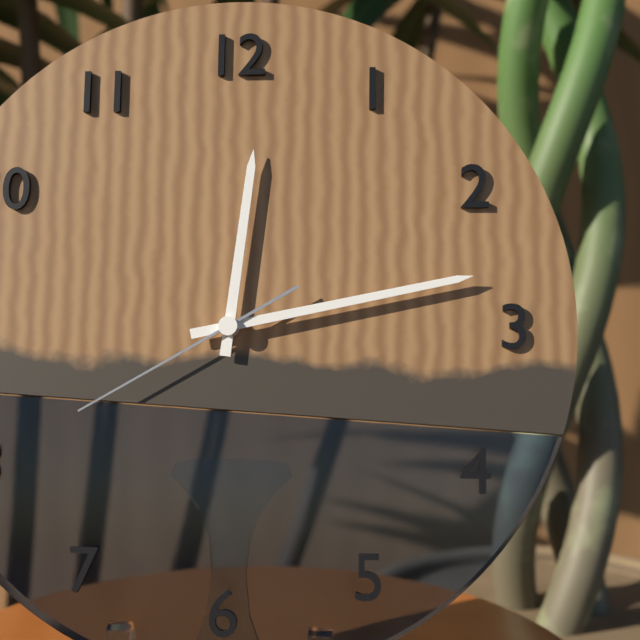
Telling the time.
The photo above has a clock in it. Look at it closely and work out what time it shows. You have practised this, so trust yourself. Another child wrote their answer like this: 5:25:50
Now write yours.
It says 12:13:40
